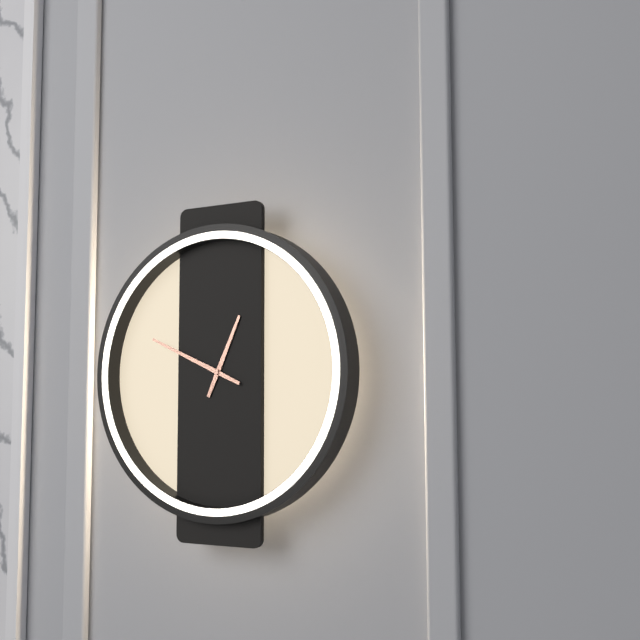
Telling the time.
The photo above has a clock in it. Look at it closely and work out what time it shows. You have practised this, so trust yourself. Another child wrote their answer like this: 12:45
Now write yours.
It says 12:49
